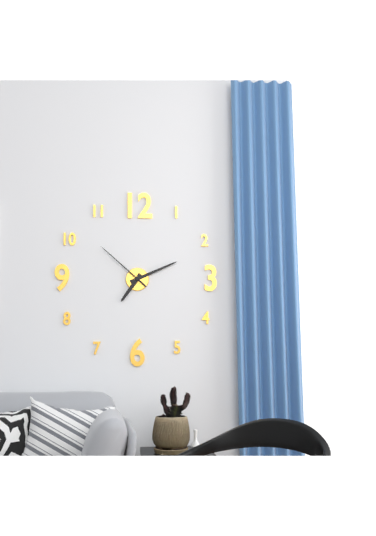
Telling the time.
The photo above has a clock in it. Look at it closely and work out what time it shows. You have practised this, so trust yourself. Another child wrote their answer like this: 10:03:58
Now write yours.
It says 7:11:52
